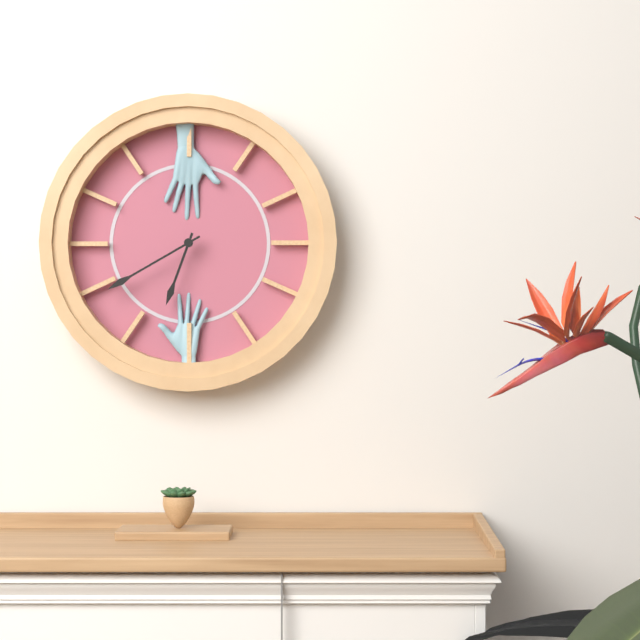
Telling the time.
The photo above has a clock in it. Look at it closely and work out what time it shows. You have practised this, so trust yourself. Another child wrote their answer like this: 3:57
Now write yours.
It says 6:40
